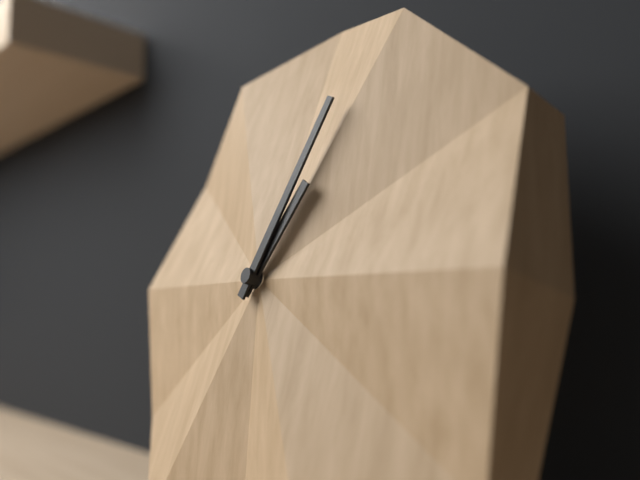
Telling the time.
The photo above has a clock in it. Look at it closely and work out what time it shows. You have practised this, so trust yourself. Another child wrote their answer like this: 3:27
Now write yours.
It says 1:04
